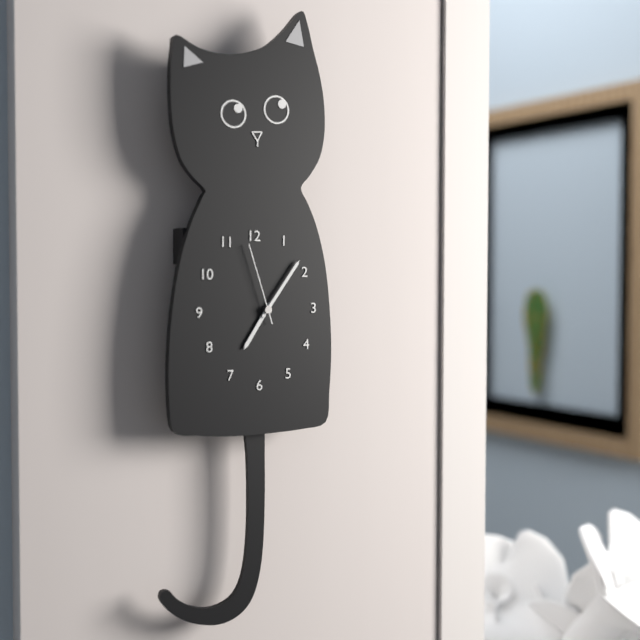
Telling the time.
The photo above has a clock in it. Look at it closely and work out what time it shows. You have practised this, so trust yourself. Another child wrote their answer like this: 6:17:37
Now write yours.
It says 7:06:57
